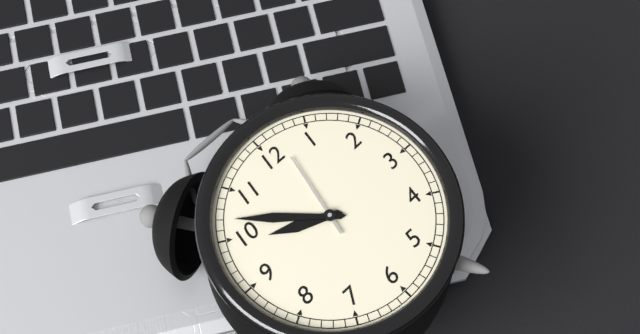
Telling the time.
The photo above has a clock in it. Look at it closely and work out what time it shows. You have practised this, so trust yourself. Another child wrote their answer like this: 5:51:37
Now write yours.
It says 9:52:02
